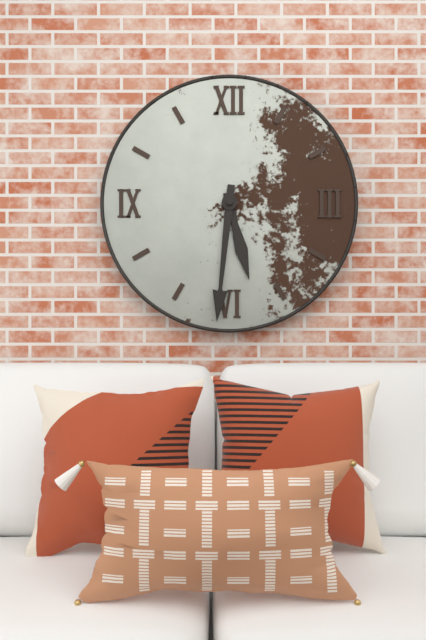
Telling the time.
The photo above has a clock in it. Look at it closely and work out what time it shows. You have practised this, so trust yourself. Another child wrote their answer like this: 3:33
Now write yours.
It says 5:31
